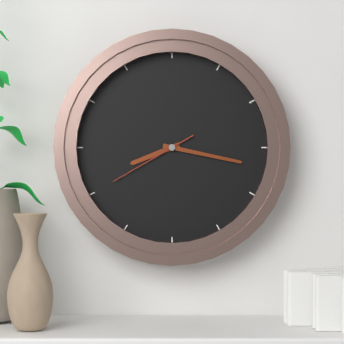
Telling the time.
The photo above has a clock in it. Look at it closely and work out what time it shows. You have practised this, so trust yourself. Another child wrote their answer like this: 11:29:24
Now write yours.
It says 8:17:40
